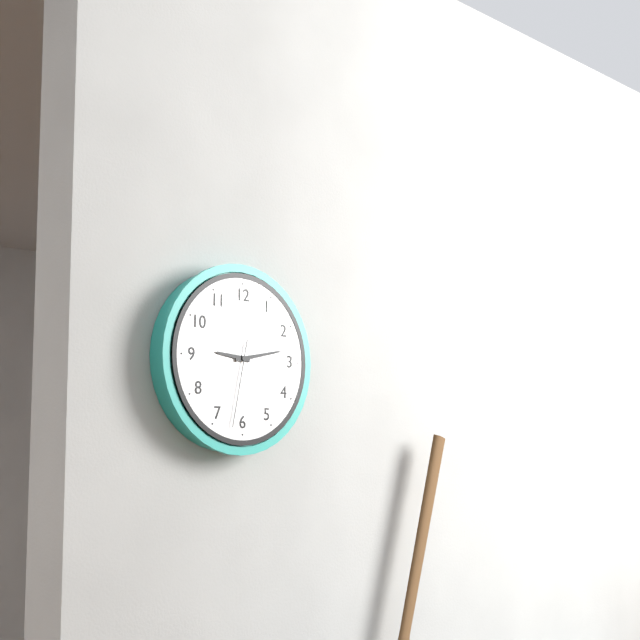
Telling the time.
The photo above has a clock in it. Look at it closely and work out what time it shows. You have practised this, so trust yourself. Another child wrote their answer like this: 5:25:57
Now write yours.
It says 9:13:32
